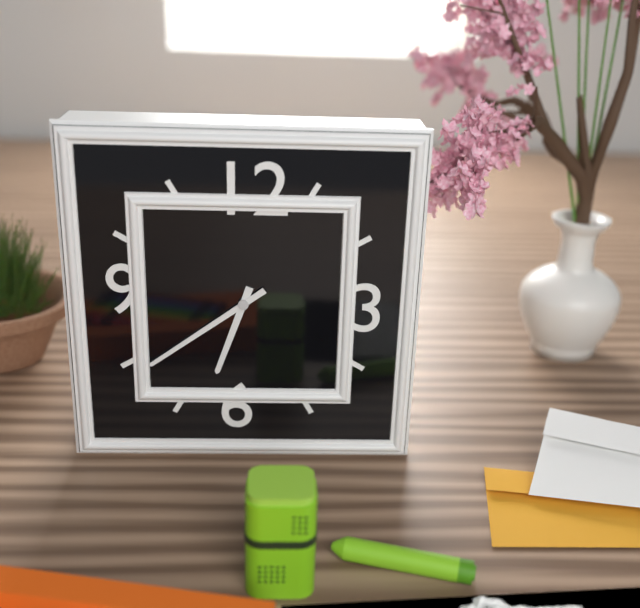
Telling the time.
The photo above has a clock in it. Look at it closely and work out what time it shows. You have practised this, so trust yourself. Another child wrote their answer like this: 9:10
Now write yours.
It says 6:39
